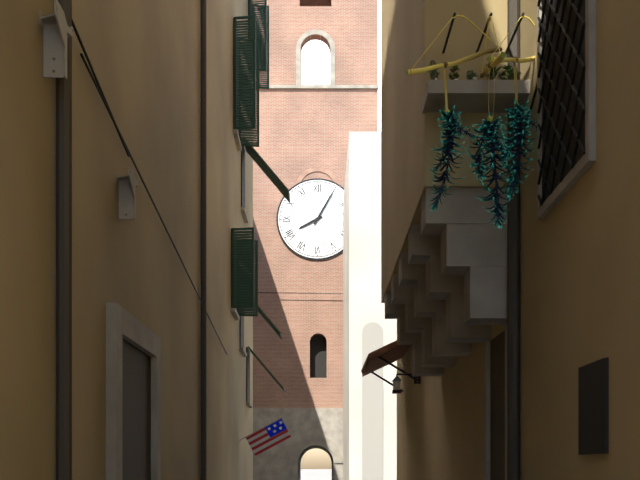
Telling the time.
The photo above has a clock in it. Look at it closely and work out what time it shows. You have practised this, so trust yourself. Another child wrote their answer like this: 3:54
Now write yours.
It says 8:05
